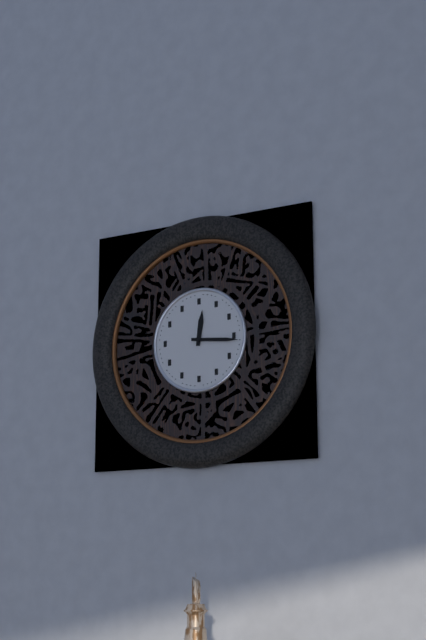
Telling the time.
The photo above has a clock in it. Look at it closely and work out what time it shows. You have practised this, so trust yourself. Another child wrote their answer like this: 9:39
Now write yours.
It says 12:16
